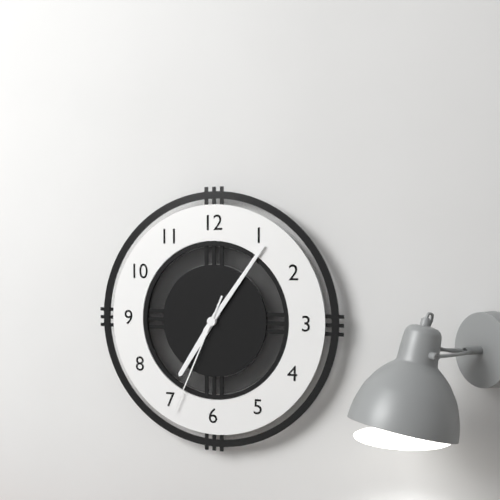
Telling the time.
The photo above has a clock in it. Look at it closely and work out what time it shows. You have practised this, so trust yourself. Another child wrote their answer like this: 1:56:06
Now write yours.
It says 7:06:34
